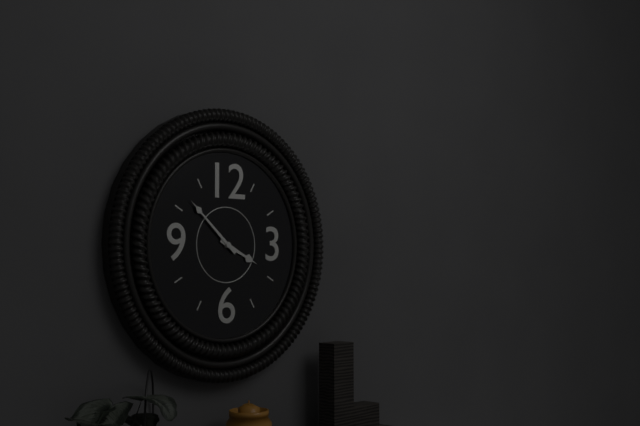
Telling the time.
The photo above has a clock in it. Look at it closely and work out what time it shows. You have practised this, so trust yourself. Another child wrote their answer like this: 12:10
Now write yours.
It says 3:52
